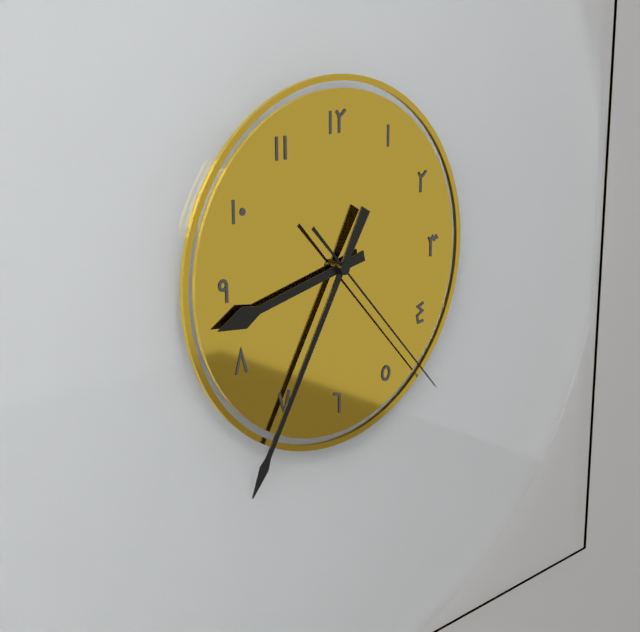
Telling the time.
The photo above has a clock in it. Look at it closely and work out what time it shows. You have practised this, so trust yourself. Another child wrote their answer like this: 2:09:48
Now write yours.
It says 8:35:23
